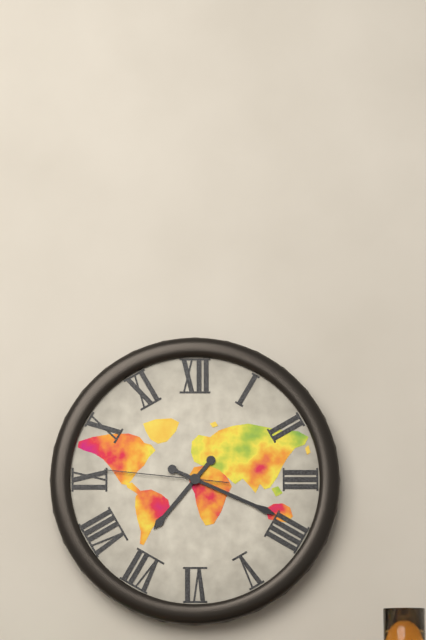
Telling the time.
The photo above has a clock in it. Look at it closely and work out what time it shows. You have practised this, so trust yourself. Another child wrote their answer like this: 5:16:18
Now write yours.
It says 7:19:46
